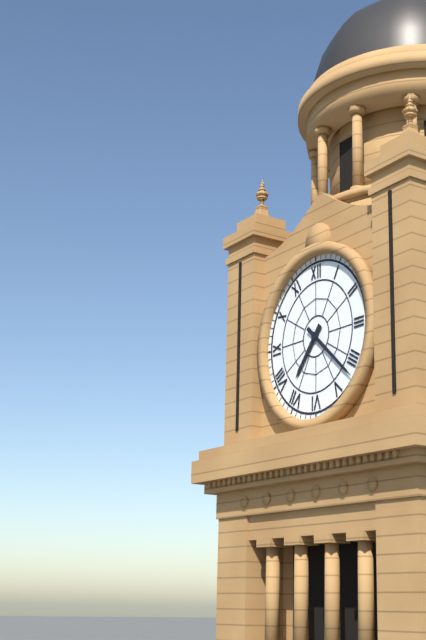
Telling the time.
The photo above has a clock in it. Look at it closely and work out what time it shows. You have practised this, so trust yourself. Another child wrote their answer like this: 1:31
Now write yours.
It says 7:22
